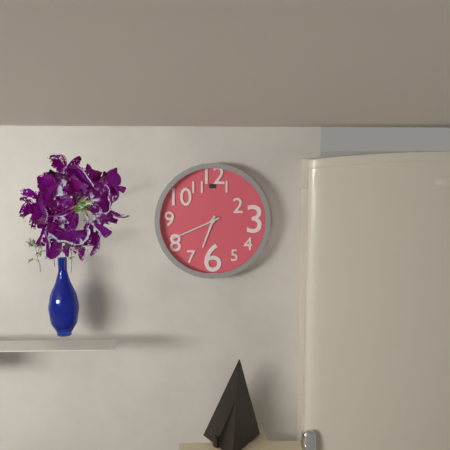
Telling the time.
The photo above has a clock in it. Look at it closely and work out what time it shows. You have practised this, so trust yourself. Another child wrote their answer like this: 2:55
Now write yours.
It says 6:41
